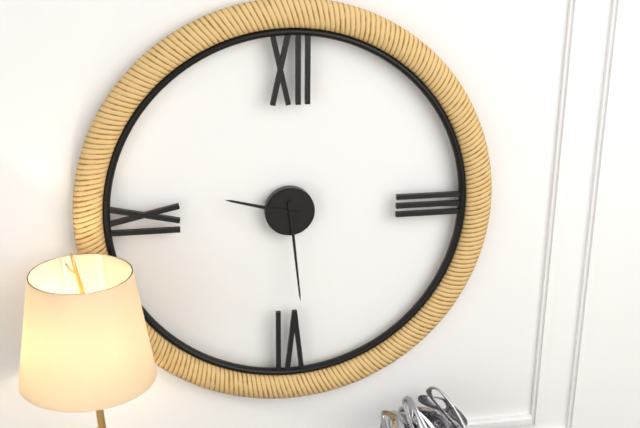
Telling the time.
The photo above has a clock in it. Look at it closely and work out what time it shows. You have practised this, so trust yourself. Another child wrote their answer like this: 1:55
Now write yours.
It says 9:29
